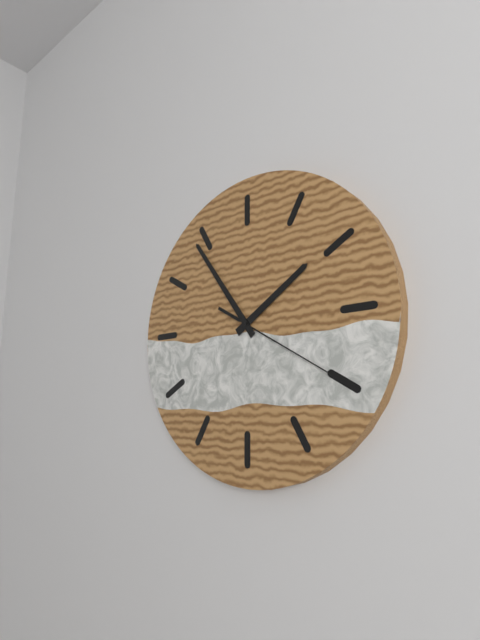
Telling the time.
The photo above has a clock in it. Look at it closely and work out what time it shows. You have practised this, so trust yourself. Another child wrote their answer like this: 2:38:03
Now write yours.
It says 1:54:20
